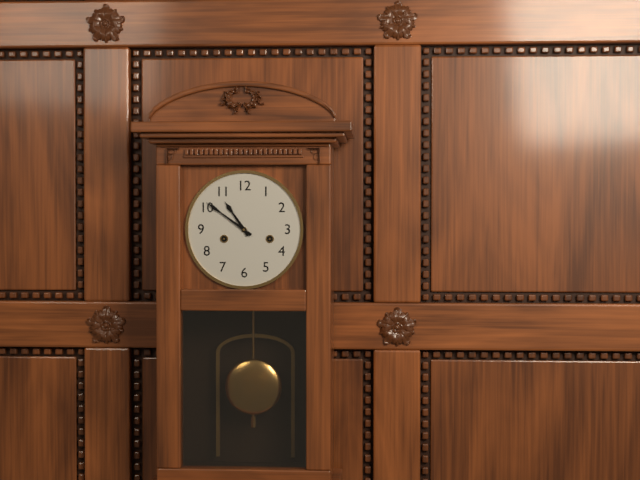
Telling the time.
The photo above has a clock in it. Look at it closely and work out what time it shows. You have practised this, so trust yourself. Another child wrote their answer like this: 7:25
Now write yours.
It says 10:51
